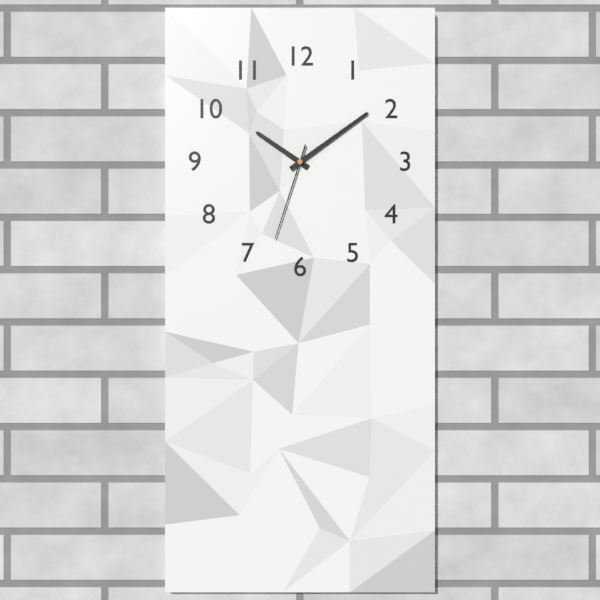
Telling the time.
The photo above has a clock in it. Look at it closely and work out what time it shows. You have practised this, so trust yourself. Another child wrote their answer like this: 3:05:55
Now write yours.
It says 10:09:33
